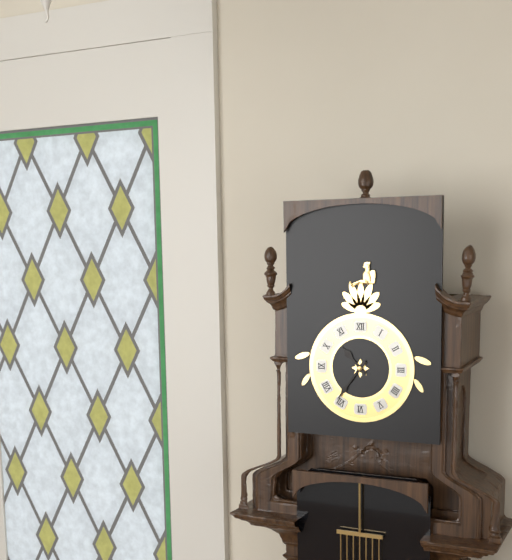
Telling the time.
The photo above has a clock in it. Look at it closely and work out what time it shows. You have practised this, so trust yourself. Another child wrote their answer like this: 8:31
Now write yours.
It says 10:36
